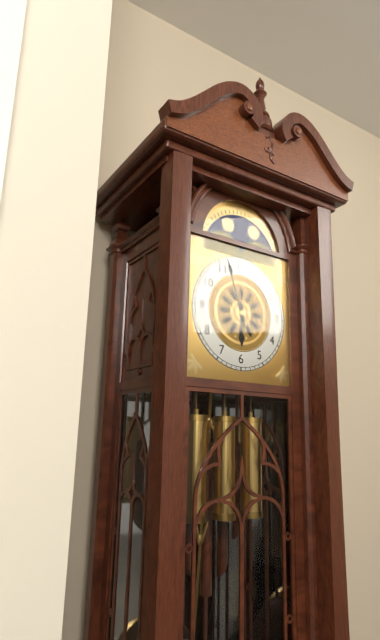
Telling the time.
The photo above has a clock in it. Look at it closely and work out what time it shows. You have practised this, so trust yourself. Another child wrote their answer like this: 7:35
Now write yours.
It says 5:57
